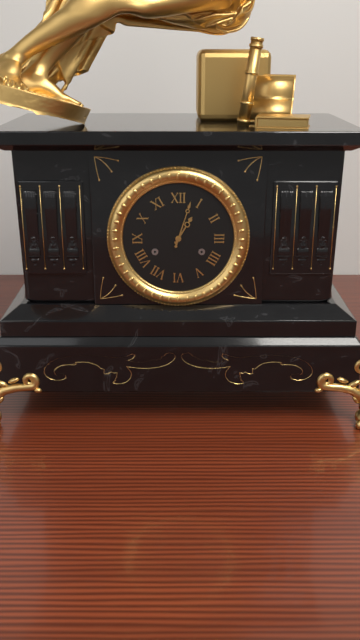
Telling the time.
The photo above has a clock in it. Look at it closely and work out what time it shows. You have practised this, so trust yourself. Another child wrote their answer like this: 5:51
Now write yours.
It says 1:03
